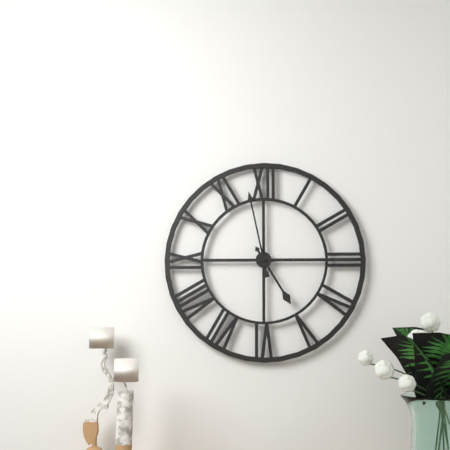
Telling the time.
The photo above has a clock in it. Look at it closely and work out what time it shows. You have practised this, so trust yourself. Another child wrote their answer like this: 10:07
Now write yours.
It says 4:58
